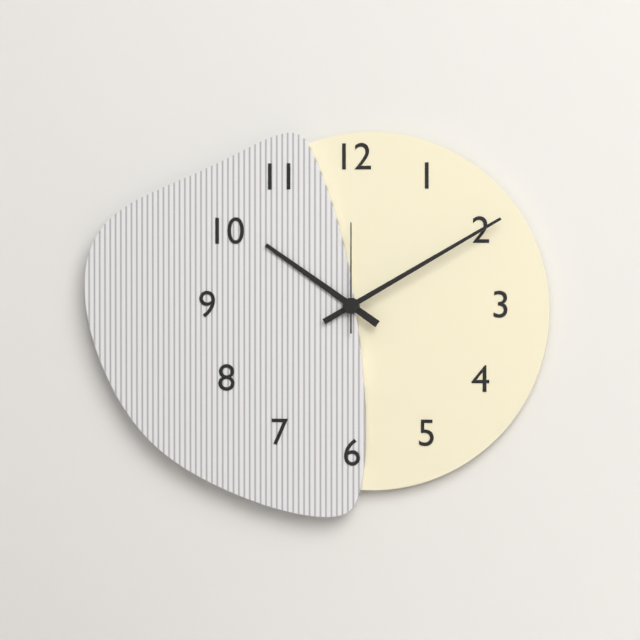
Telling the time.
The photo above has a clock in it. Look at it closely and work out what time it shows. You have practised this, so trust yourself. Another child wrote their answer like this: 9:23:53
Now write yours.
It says 10:10:00
